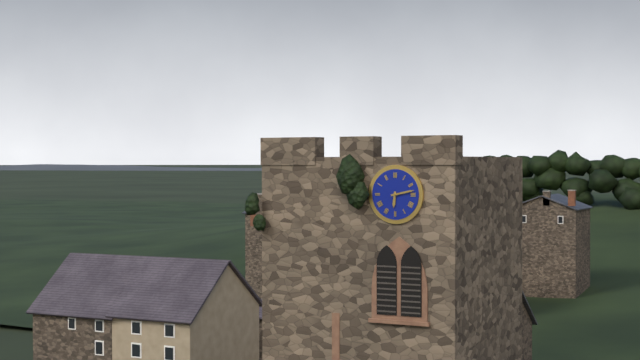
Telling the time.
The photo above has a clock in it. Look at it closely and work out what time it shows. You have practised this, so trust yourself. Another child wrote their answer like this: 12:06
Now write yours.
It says 6:13
